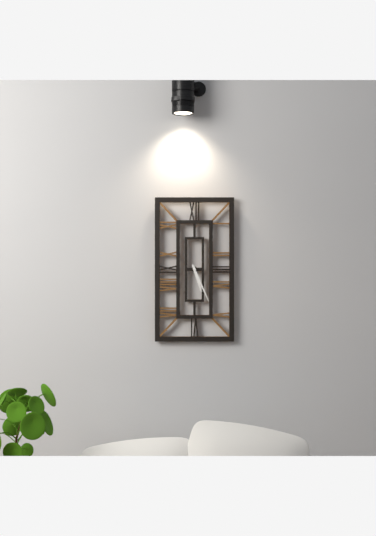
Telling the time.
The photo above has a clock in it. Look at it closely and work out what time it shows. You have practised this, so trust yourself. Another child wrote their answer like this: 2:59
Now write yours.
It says 5:26
